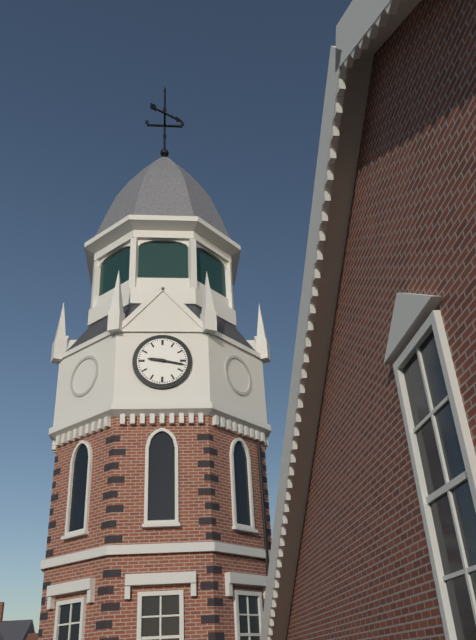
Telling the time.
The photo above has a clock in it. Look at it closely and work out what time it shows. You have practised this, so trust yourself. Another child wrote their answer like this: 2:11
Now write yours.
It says 9:17
